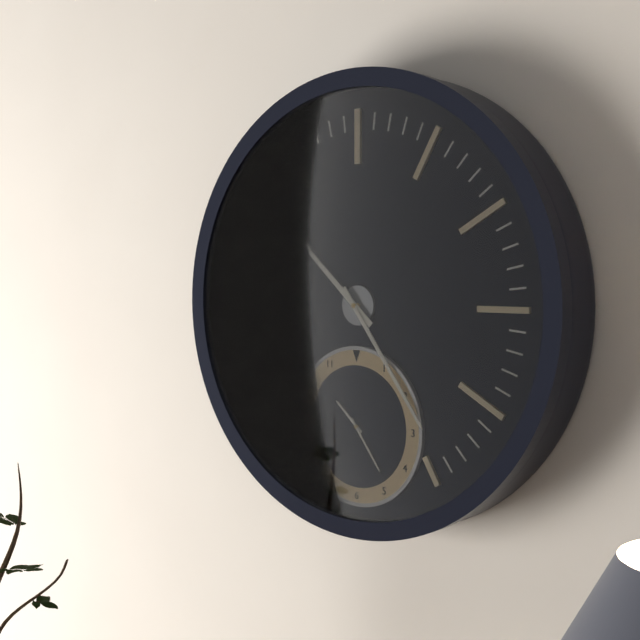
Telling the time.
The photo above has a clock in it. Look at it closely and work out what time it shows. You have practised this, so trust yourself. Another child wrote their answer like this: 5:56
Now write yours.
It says 10:24
